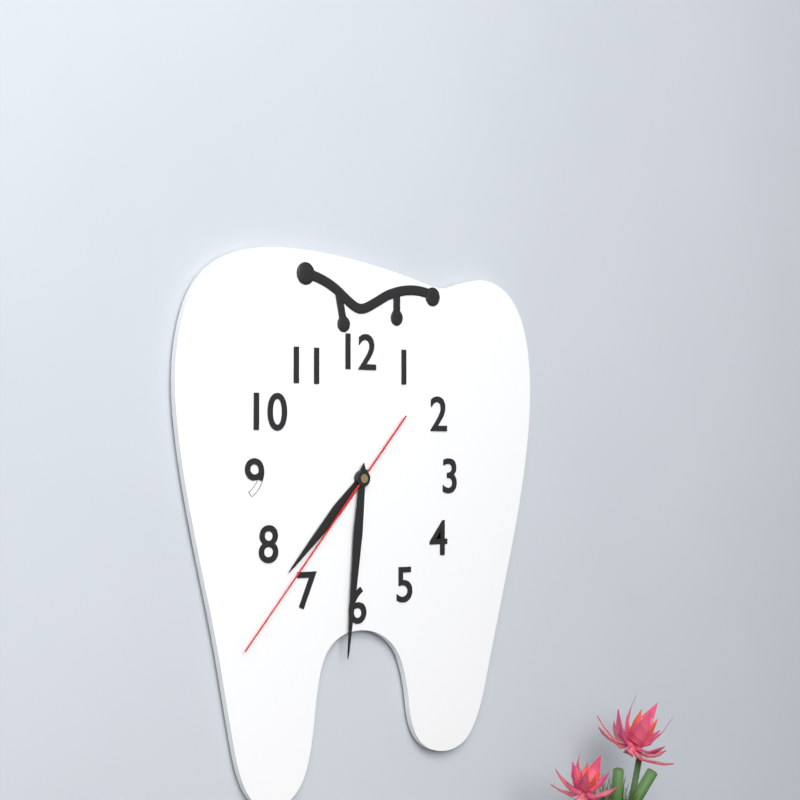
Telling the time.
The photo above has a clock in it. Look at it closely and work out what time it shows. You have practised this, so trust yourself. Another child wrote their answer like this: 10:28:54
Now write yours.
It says 7:31:37
